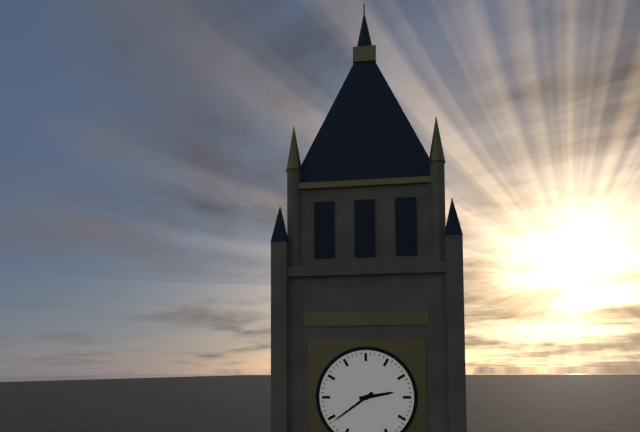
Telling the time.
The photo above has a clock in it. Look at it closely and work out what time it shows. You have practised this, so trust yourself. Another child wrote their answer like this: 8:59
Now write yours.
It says 2:39
